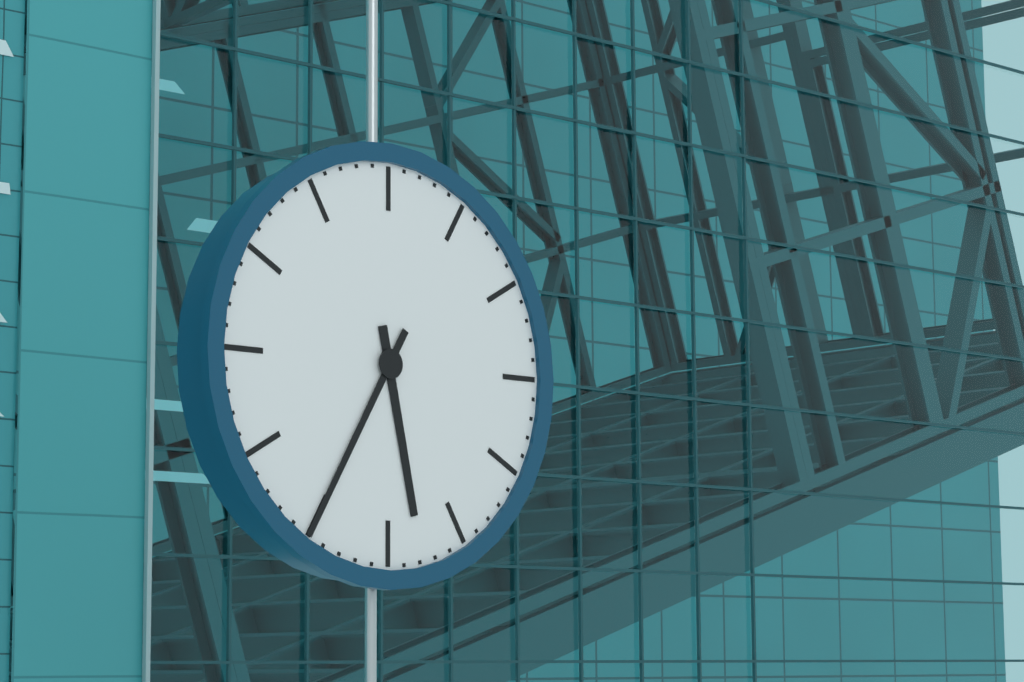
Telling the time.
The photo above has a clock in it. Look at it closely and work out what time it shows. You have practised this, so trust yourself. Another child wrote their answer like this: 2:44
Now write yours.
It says 5:35
